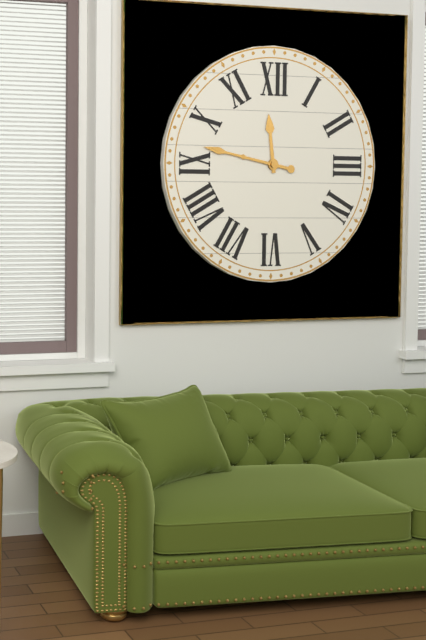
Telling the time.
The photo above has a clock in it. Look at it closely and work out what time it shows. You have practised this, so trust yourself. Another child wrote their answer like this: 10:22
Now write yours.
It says 11:47
